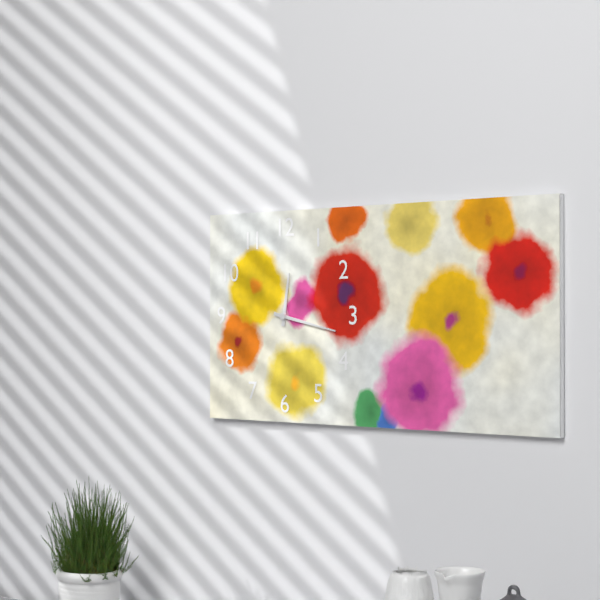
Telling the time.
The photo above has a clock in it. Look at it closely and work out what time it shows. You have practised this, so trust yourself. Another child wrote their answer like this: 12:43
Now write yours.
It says 12:17
